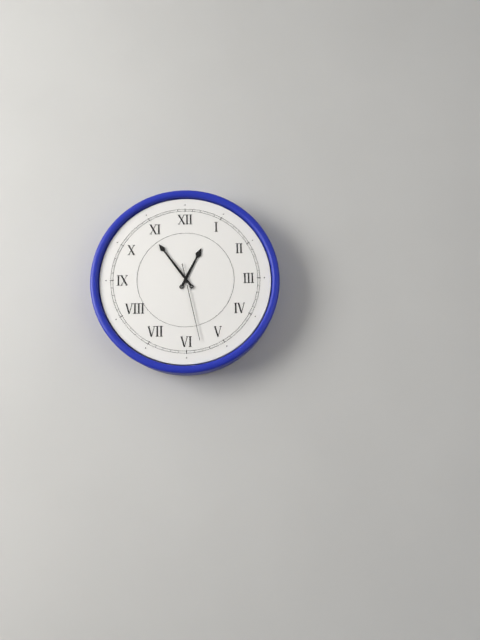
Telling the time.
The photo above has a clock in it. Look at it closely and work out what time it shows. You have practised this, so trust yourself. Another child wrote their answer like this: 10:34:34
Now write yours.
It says 12:54:28
